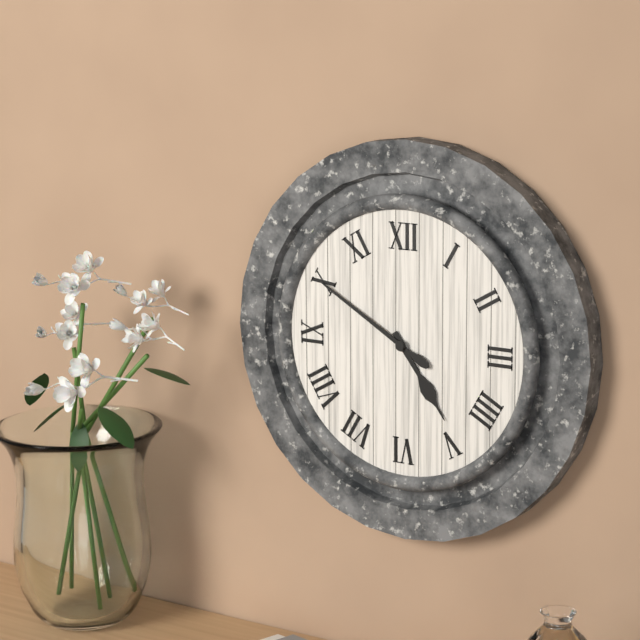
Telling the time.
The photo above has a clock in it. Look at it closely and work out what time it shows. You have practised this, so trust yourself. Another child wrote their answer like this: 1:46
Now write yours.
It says 4:50
